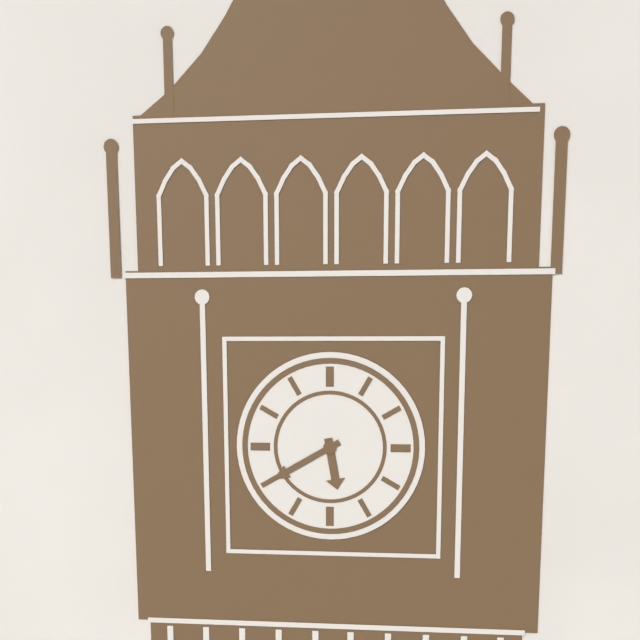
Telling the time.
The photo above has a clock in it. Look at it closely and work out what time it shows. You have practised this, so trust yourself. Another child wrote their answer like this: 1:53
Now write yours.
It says 5:40
